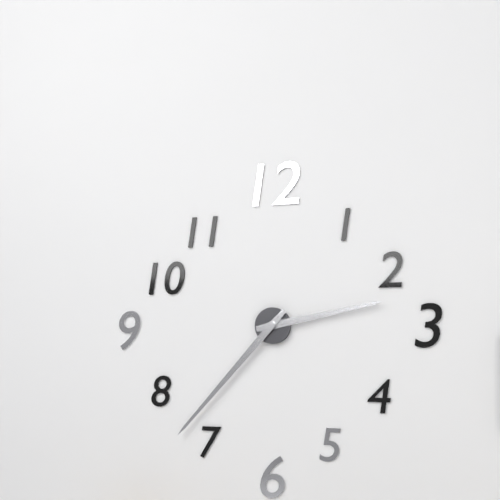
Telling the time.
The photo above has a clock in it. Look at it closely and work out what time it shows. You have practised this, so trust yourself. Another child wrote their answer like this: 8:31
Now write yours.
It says 2:37
